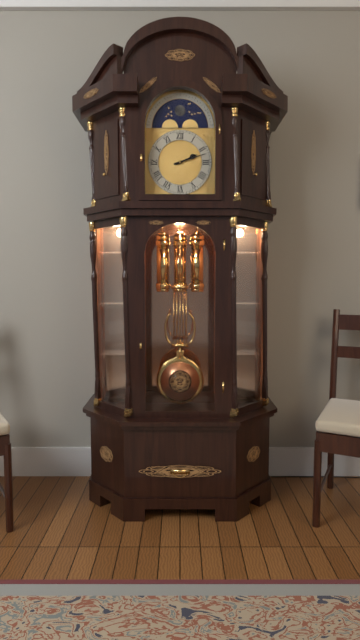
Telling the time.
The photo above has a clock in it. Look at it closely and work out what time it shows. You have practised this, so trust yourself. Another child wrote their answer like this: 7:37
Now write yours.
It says 2:12
